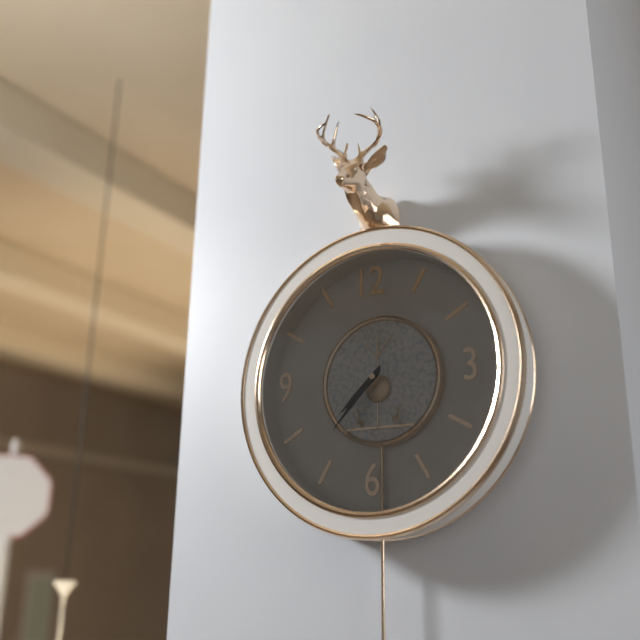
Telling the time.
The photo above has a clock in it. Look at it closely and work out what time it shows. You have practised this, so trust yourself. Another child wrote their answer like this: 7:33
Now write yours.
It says 7:37
